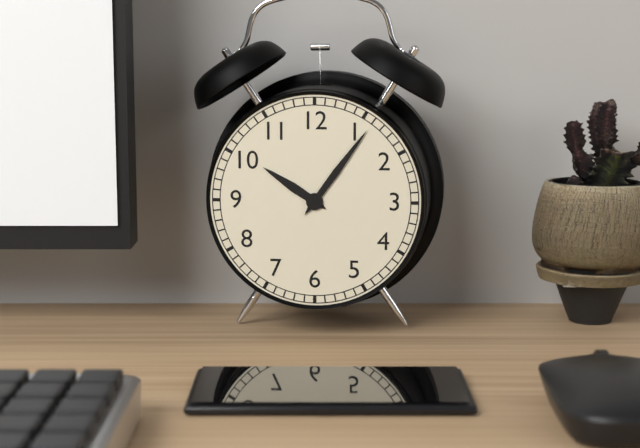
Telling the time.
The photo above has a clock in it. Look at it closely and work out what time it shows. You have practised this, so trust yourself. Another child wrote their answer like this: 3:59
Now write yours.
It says 10:06
